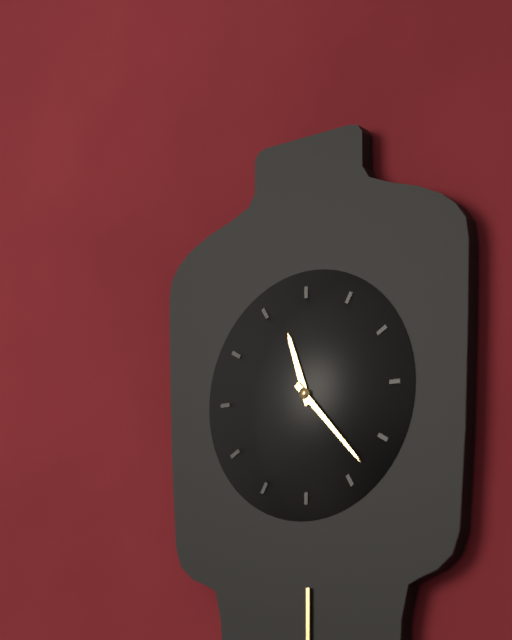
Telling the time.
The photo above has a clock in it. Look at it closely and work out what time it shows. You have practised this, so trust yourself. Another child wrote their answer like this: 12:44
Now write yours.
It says 11:23
